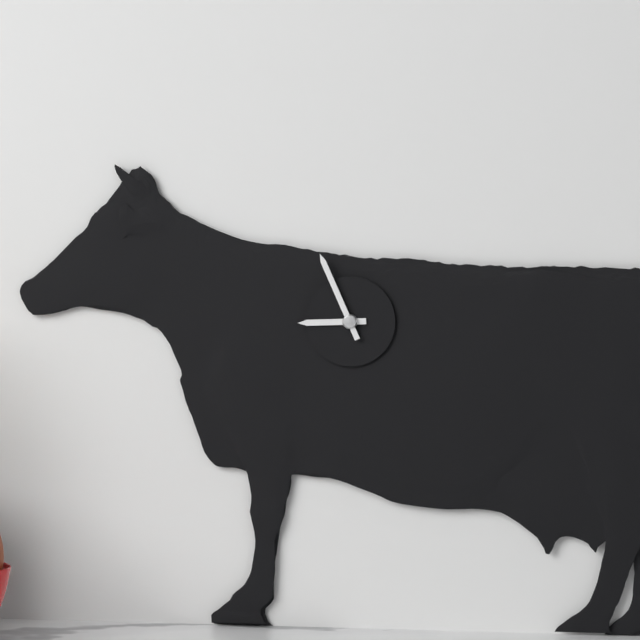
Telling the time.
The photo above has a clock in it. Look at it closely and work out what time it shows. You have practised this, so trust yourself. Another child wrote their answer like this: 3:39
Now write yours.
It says 8:56
